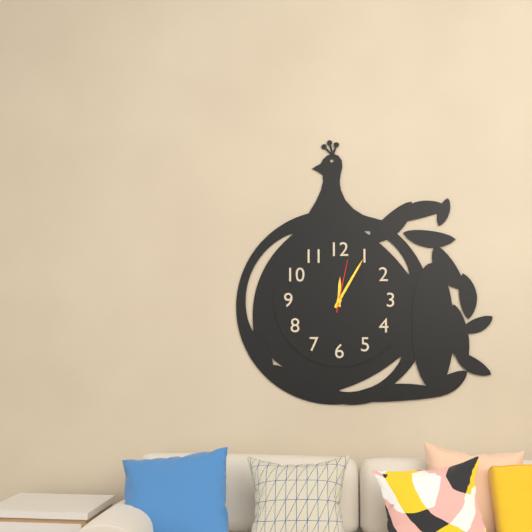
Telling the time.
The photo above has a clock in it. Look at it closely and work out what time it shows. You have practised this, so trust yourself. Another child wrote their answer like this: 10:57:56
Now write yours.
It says 12:05:02
